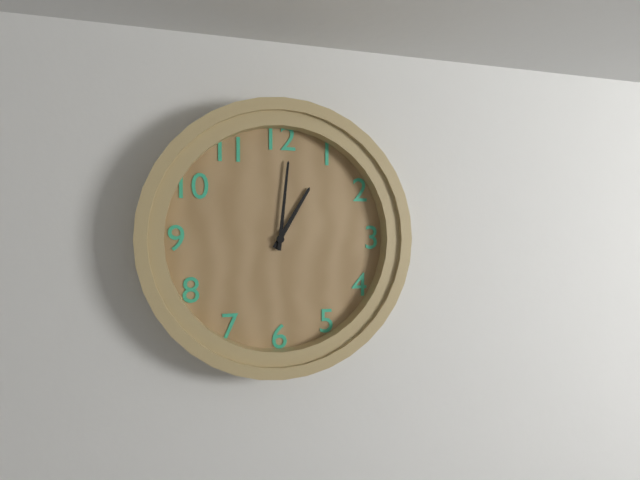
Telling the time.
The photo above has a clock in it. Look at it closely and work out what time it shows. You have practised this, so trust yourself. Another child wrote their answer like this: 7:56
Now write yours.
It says 1:01
